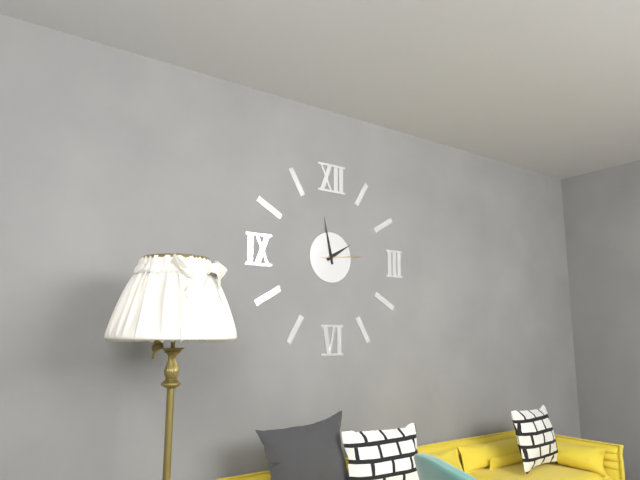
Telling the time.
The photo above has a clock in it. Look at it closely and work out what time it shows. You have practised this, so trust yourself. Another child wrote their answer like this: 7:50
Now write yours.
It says 1:58
